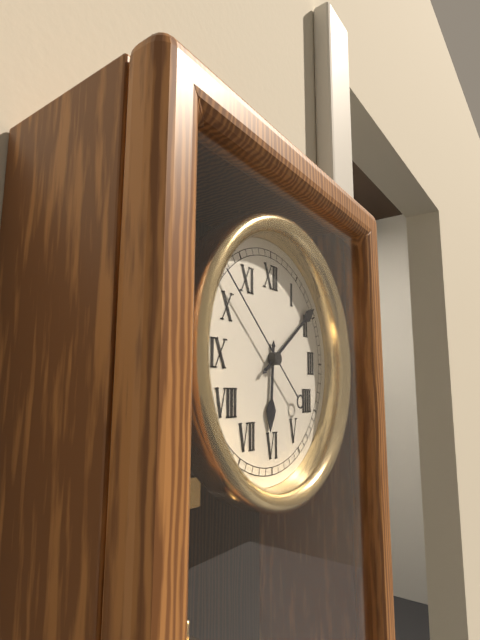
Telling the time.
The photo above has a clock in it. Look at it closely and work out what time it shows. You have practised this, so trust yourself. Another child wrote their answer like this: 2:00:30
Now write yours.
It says 6:09:52
